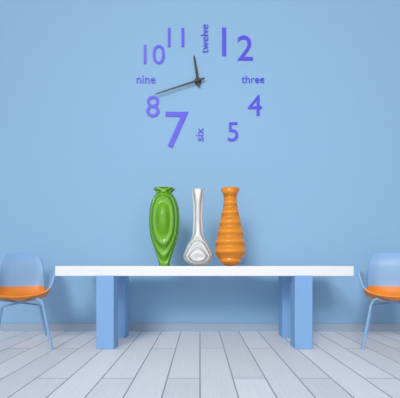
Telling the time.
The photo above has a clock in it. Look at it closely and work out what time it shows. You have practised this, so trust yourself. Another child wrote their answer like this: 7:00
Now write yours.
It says 11:42
